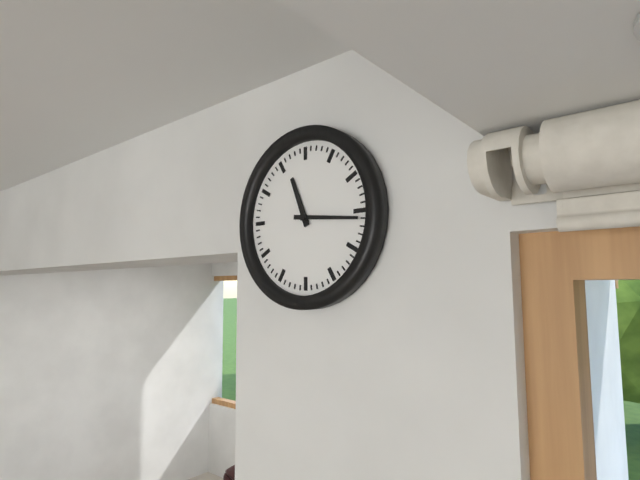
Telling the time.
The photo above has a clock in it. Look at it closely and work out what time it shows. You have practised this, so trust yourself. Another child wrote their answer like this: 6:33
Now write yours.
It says 11:16
